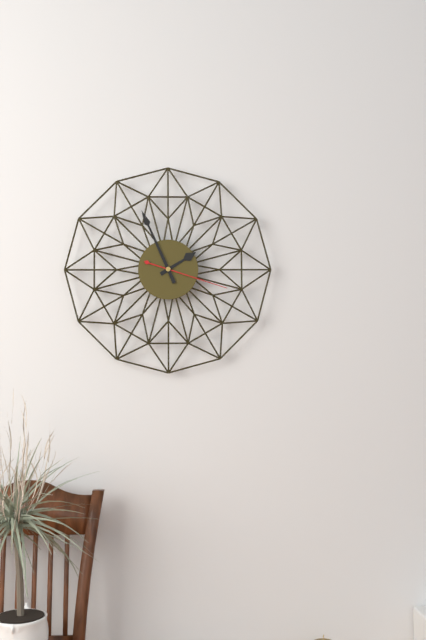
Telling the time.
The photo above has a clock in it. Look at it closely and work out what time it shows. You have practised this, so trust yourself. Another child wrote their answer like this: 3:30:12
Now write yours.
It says 1:56:18
